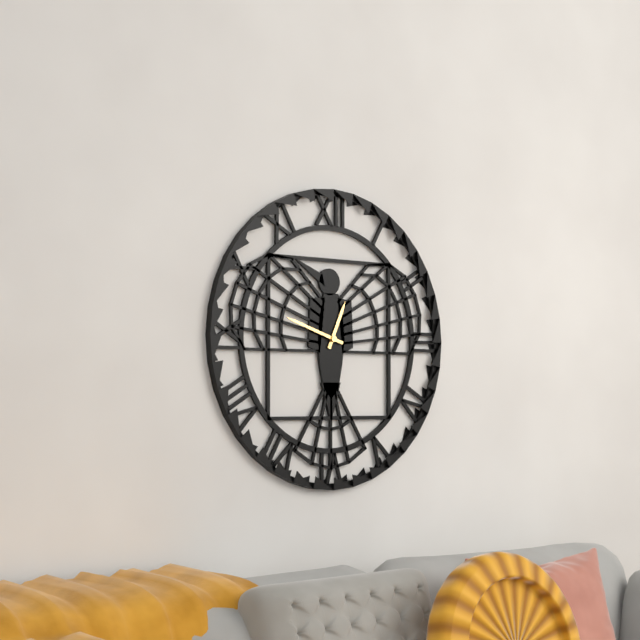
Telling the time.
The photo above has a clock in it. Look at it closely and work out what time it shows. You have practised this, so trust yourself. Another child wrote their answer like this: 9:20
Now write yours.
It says 12:48
